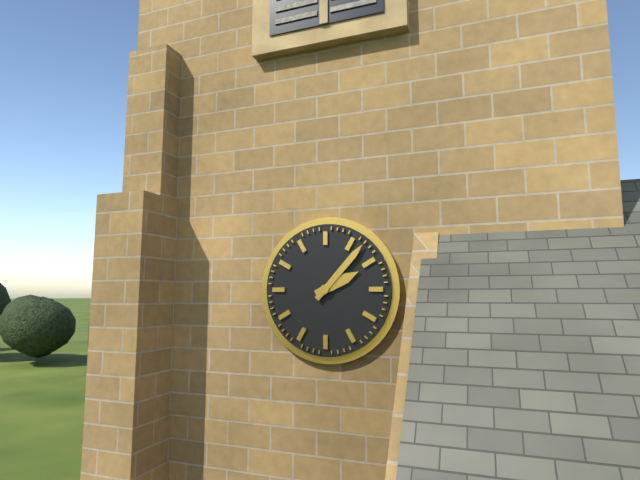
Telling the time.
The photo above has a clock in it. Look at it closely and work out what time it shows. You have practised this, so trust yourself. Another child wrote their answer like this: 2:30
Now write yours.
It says 2:07
